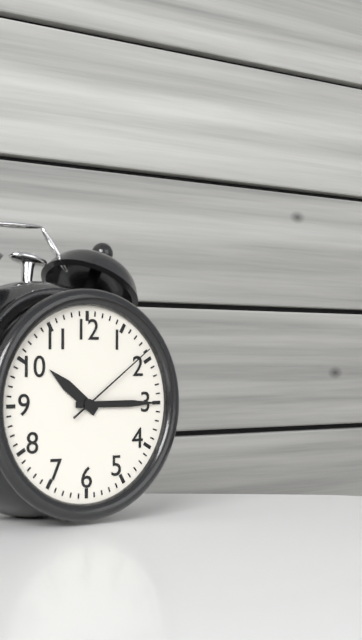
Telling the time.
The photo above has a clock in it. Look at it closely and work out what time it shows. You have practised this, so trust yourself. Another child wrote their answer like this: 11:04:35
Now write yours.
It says 10:15:09
